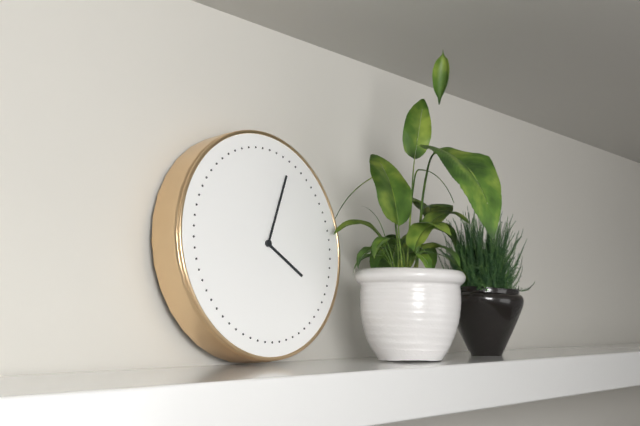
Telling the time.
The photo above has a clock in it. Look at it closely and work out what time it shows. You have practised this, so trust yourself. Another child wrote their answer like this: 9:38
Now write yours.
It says 4:04
